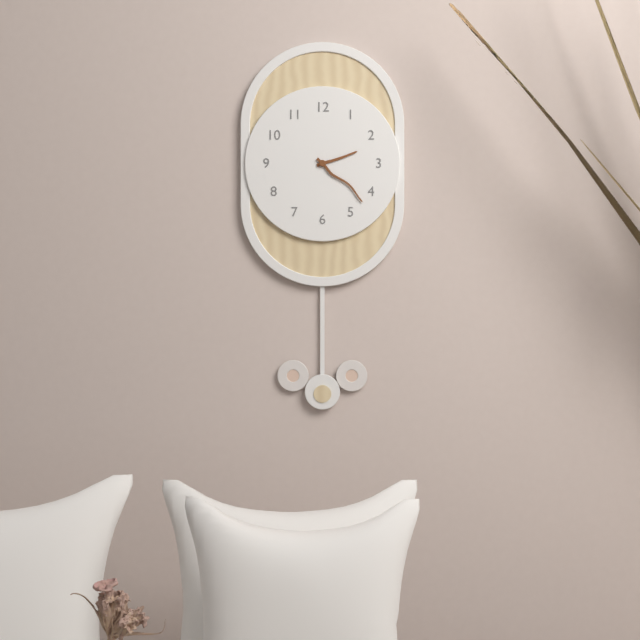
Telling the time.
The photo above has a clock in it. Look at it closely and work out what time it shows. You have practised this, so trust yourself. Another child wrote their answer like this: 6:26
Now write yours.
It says 2:22
